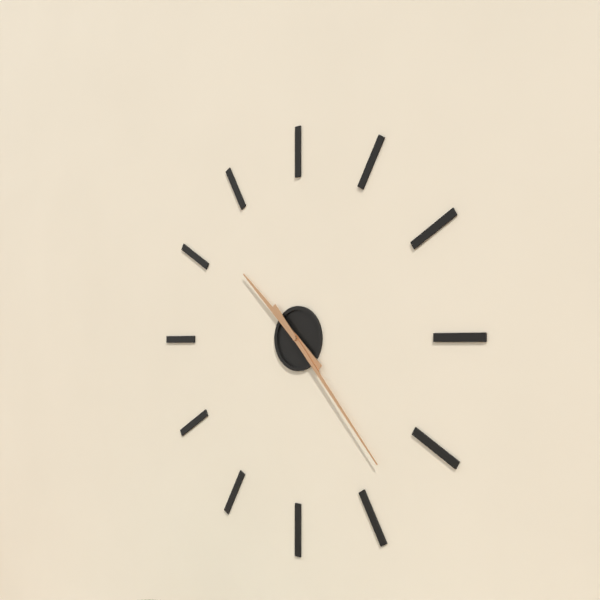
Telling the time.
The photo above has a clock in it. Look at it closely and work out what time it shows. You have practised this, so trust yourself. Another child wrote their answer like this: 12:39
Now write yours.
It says 10:23
